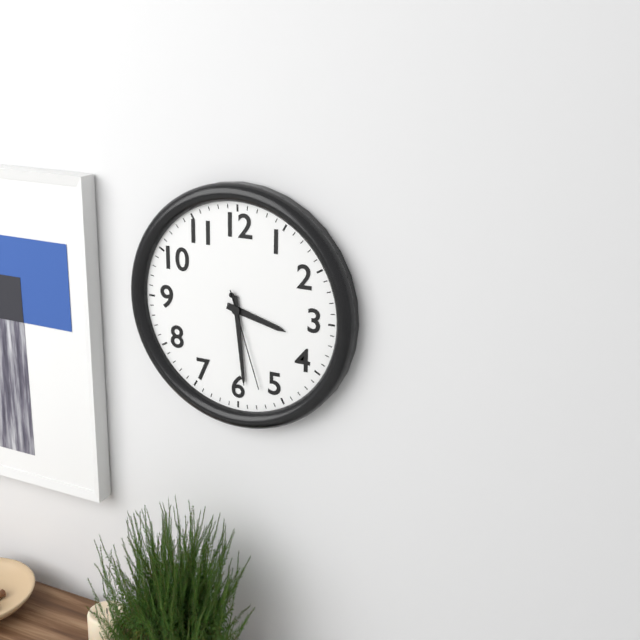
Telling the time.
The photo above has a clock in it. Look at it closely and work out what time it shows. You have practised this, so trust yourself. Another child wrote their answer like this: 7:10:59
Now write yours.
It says 3:29:27
